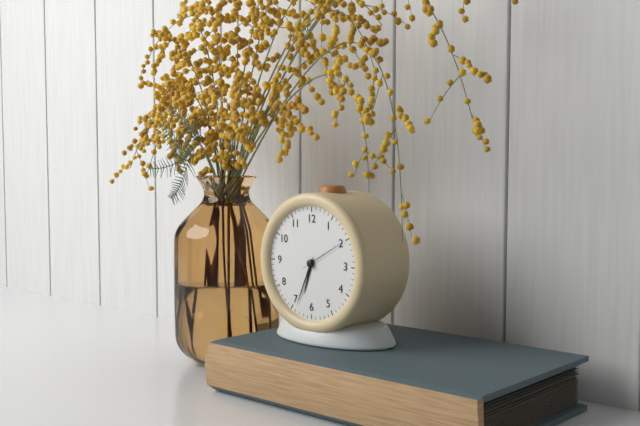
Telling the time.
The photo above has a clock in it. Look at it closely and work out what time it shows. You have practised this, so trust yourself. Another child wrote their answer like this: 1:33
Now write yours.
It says 6:34
